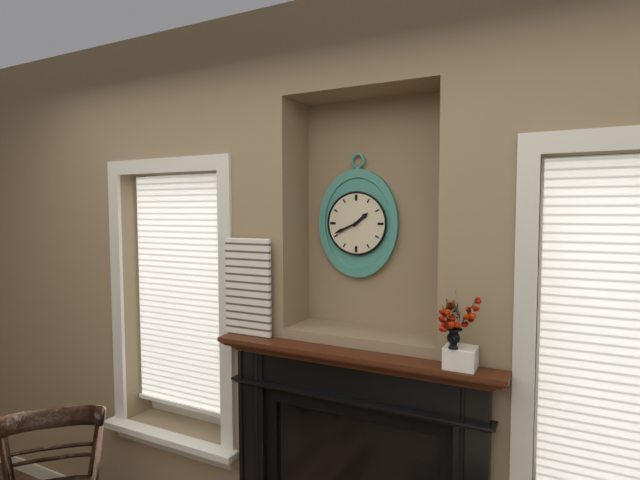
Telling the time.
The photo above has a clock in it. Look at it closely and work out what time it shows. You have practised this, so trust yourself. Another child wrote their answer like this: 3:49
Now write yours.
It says 1:41
